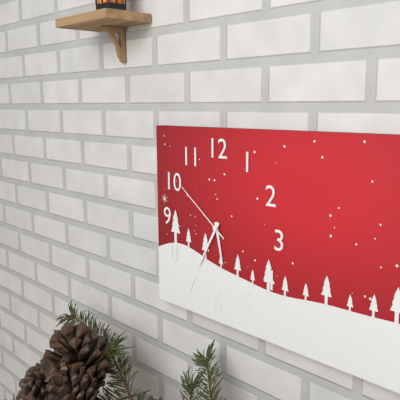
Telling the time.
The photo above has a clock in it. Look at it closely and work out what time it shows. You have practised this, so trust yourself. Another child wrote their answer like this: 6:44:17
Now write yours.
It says 5:35:51
